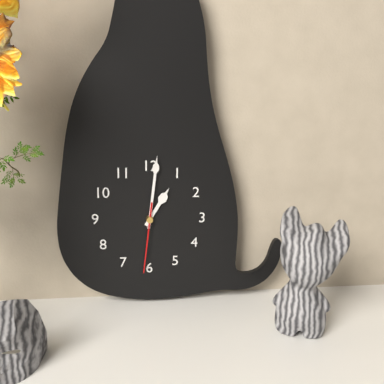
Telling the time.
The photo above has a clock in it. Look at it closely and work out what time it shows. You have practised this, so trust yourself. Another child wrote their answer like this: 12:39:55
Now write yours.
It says 1:01:31
